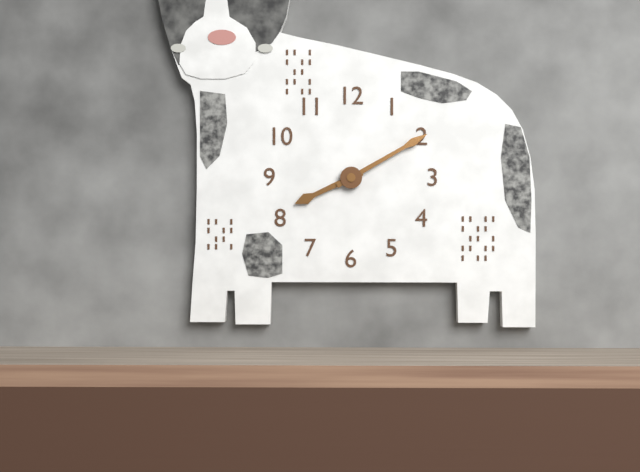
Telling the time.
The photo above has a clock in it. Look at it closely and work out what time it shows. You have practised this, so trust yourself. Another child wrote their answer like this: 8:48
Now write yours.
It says 8:10
